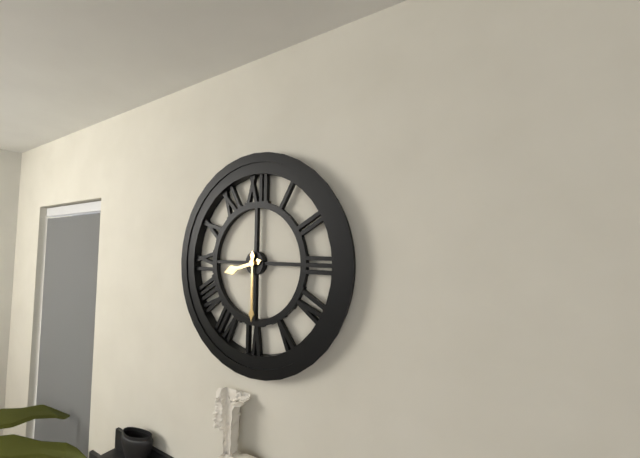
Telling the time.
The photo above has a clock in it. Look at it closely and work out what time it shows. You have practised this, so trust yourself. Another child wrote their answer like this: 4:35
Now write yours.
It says 8:30
